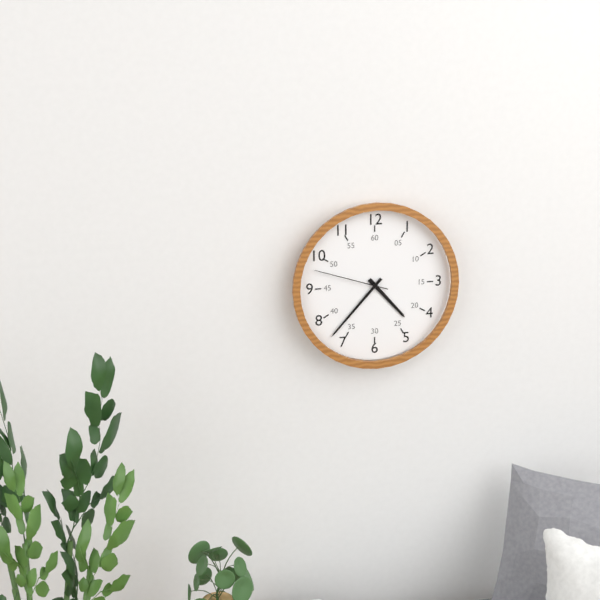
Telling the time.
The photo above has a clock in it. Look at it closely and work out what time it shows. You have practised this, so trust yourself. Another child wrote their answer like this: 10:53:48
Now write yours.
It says 4:37:48
